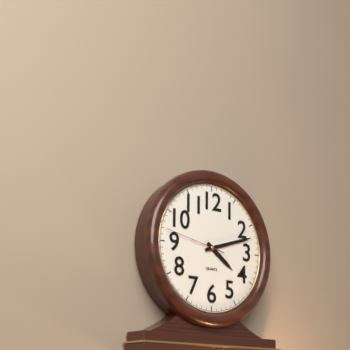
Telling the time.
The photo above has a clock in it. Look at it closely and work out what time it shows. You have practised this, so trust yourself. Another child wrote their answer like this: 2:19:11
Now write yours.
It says 4:12:47
